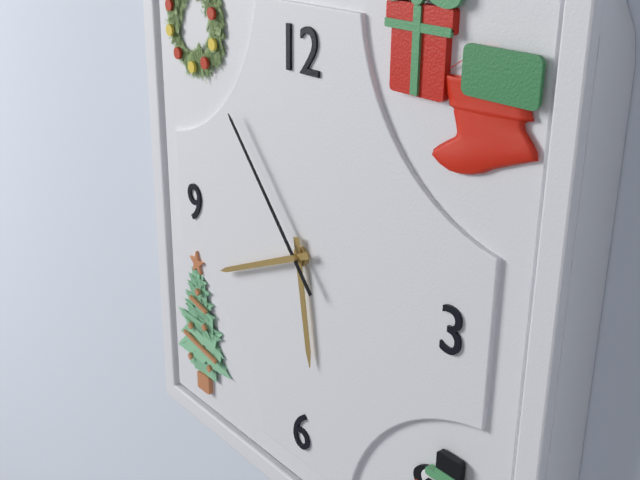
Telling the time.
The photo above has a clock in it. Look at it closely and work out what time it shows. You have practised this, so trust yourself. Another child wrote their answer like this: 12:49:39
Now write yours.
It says 5:41:53
